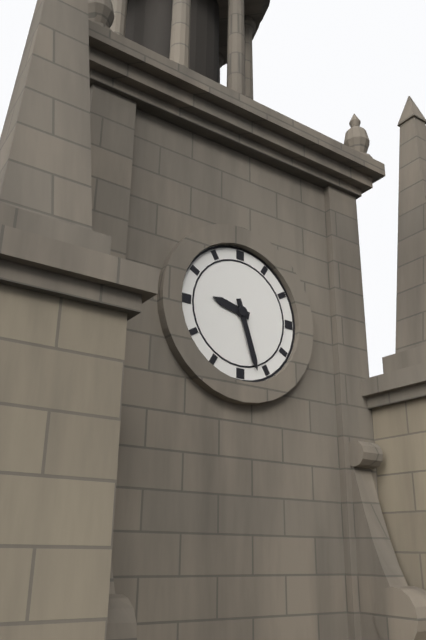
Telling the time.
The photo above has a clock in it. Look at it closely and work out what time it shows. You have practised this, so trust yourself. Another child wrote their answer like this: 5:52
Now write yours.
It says 9:27
